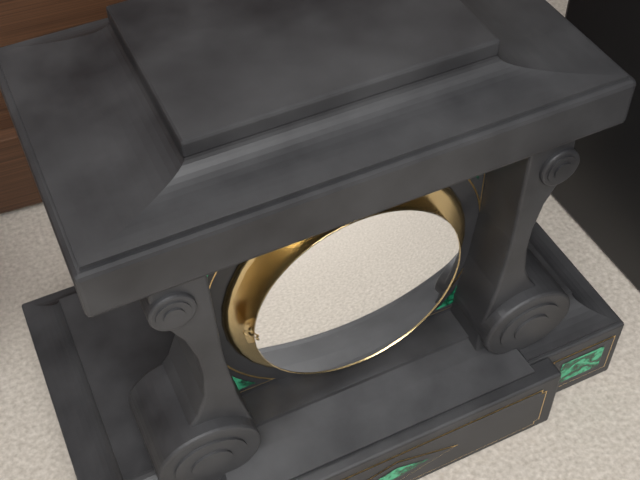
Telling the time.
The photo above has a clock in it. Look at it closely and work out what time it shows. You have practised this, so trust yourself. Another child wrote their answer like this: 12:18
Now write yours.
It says 6:17
